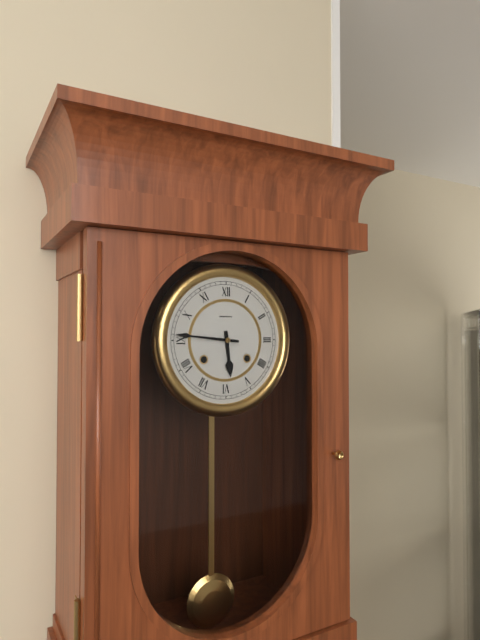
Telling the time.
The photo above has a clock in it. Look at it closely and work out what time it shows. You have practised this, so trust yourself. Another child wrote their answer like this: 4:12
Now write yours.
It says 5:46
